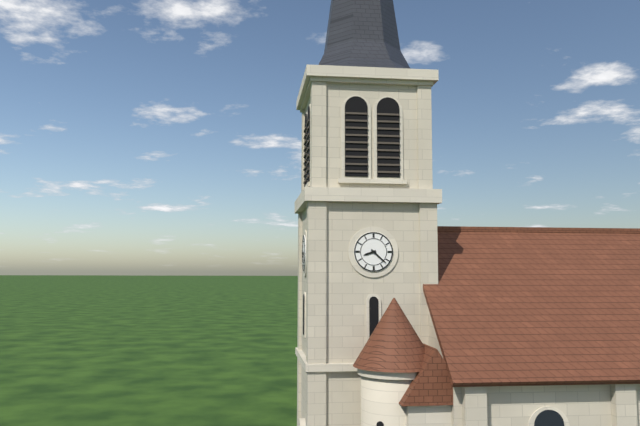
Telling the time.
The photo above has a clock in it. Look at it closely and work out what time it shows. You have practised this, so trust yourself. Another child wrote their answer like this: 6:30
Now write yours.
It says 8:22
